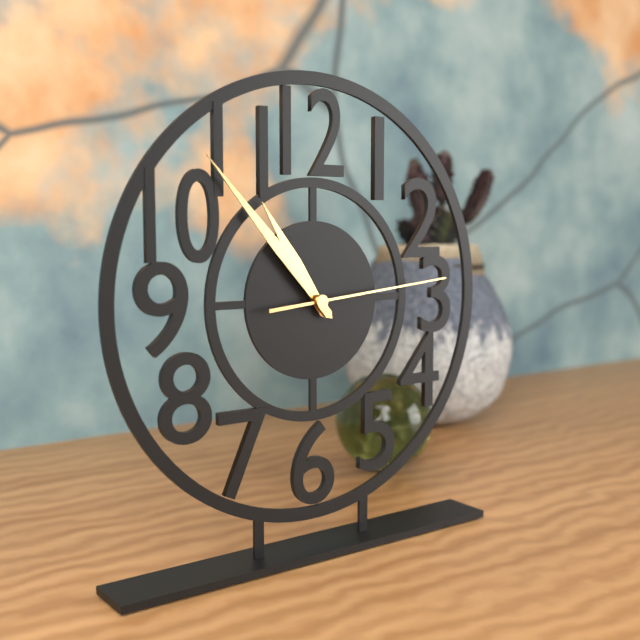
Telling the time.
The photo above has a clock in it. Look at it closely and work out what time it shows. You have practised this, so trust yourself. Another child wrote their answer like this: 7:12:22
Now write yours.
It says 10:53:14
